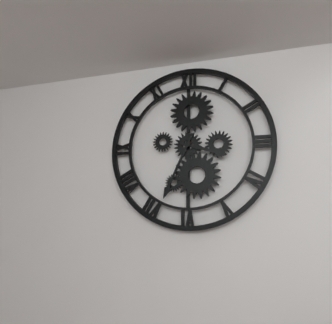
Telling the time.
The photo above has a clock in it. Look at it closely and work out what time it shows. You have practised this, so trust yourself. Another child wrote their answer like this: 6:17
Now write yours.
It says 3:34
